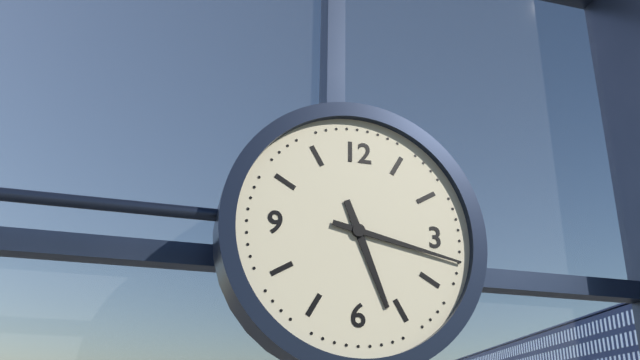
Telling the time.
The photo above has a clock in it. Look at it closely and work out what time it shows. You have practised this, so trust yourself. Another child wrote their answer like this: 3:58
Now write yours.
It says 5:17
